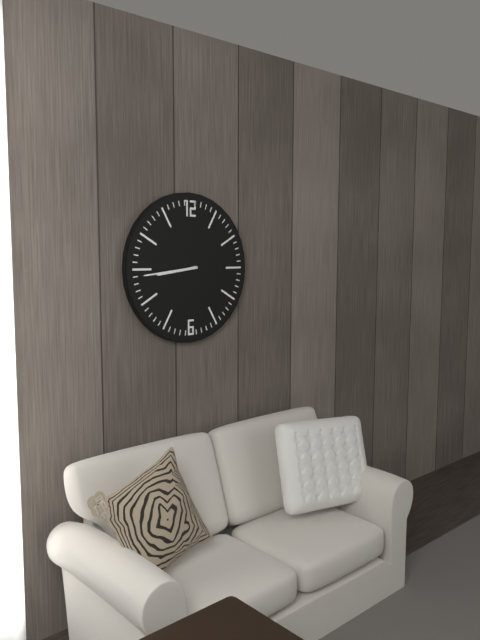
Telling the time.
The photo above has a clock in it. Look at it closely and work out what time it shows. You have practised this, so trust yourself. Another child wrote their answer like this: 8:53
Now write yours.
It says 8:44
